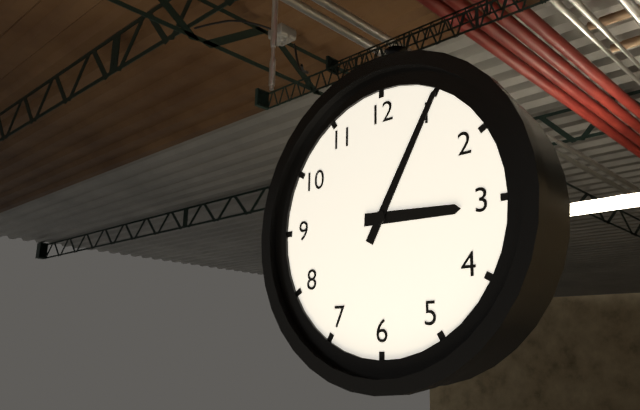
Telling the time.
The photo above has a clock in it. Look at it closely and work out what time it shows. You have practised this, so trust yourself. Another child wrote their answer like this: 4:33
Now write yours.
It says 3:05
